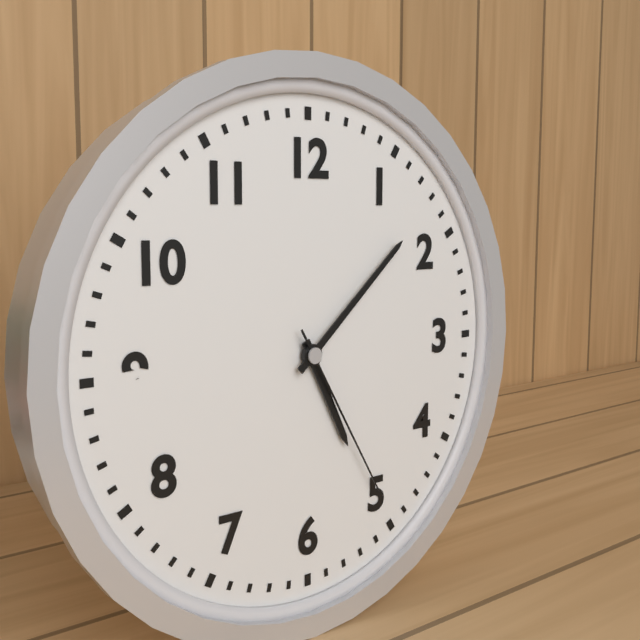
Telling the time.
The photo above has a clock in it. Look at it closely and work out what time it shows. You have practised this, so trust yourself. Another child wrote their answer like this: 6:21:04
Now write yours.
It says 5:08:25
